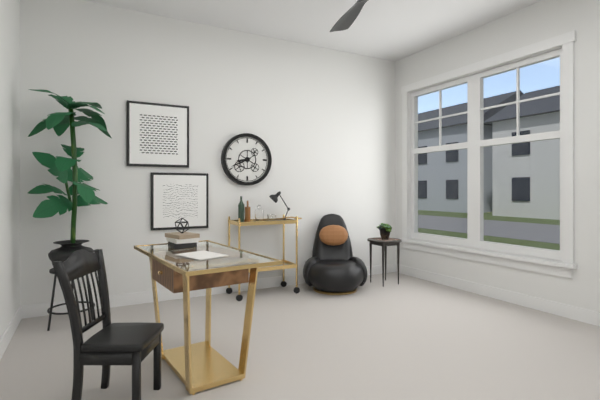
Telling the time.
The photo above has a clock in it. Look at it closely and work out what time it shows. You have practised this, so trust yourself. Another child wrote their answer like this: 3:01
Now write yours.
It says 8:41
